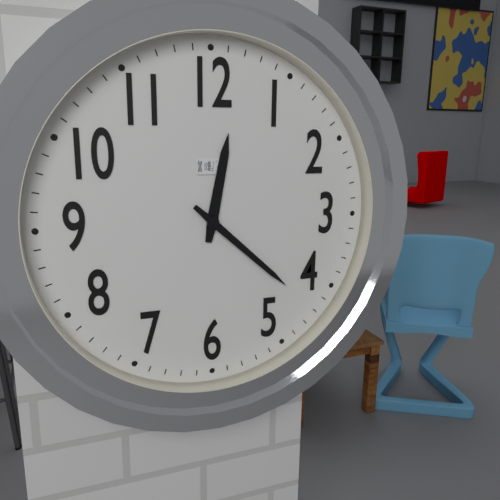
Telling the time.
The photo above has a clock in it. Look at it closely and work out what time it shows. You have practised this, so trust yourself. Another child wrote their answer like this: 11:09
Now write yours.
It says 12:22
